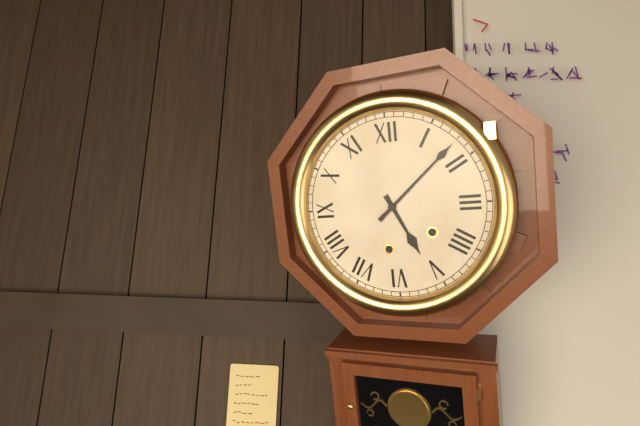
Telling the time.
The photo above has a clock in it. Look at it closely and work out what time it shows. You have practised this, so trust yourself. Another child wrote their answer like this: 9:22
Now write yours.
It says 5:08
